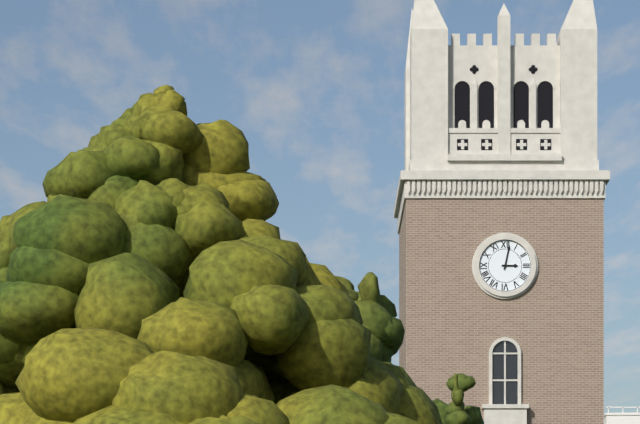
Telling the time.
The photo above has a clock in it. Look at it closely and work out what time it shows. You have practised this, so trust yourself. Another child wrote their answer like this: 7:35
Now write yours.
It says 3:02
